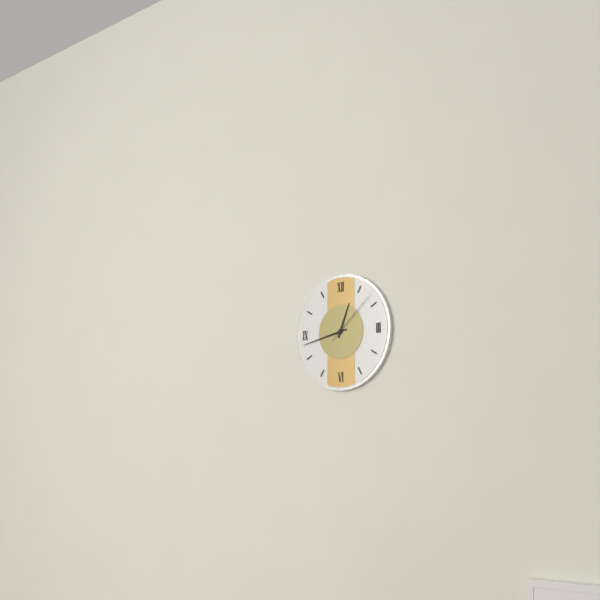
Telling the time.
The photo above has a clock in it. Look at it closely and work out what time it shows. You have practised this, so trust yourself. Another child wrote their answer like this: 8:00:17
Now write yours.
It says 12:43:08
